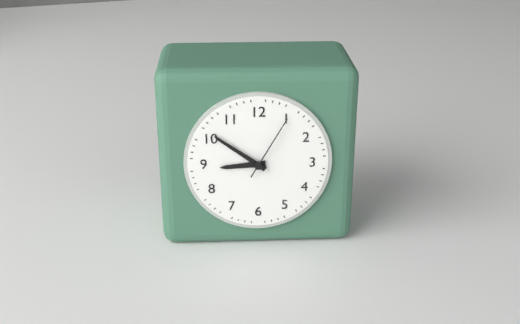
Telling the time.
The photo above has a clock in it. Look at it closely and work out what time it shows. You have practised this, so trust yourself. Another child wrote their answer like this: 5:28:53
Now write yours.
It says 8:51:05
